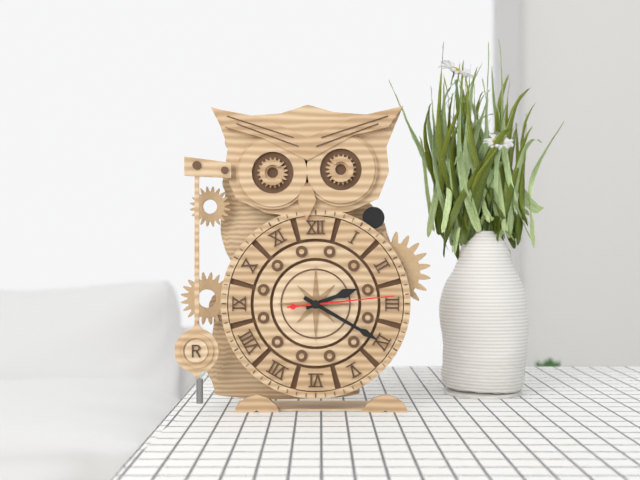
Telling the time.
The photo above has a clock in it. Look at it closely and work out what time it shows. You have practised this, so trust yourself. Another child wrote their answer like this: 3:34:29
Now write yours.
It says 2:20:14
